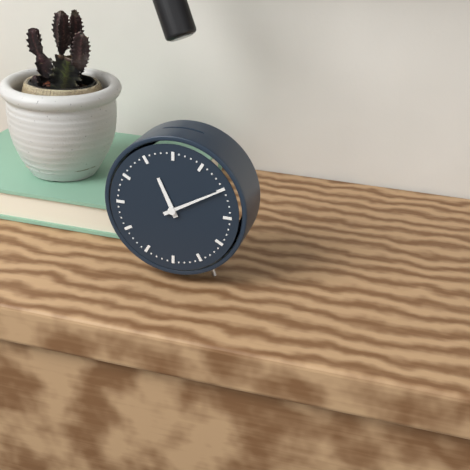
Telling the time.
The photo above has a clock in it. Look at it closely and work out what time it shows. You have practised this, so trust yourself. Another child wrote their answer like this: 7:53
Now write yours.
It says 11:10
